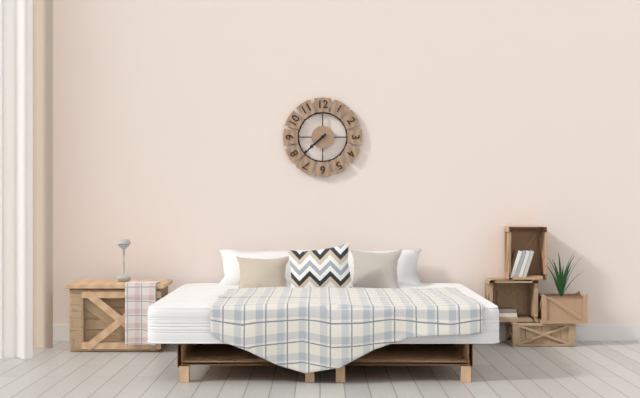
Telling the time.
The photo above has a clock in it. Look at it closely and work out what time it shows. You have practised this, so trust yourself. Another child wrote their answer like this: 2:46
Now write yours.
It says 7:38
